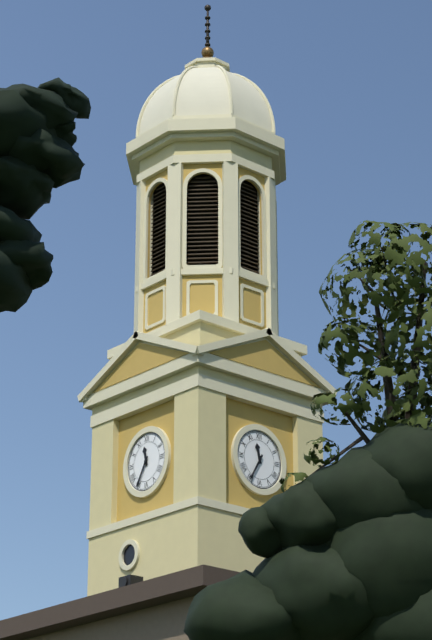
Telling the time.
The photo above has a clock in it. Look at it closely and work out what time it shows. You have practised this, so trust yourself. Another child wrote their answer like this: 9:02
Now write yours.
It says 11:35
